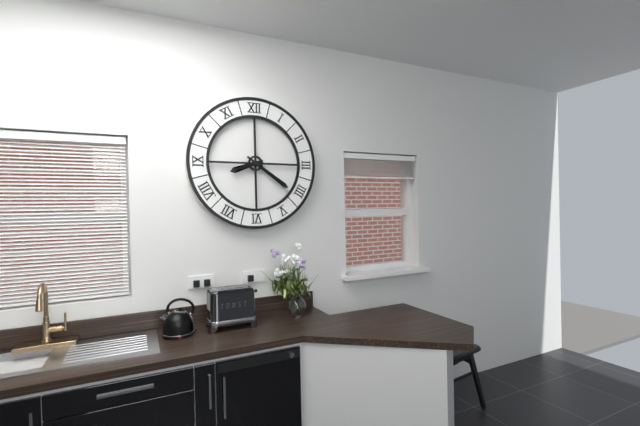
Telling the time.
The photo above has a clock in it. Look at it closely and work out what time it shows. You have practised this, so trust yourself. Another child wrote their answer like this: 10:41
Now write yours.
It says 8:21
